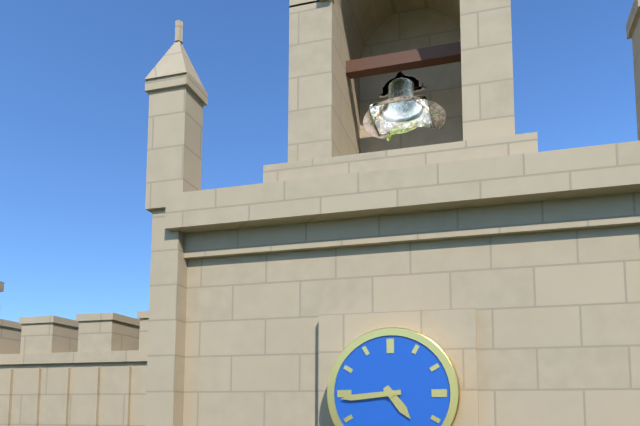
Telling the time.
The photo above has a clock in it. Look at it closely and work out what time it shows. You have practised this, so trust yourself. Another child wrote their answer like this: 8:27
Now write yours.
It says 4:44
